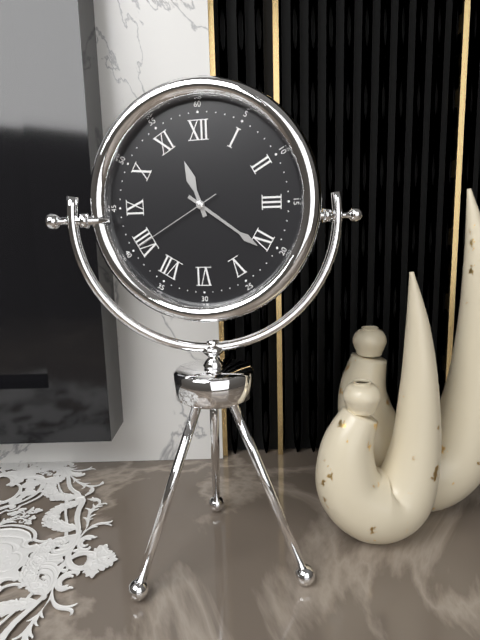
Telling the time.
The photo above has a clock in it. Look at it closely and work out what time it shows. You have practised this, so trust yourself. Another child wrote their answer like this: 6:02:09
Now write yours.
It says 11:21:40
